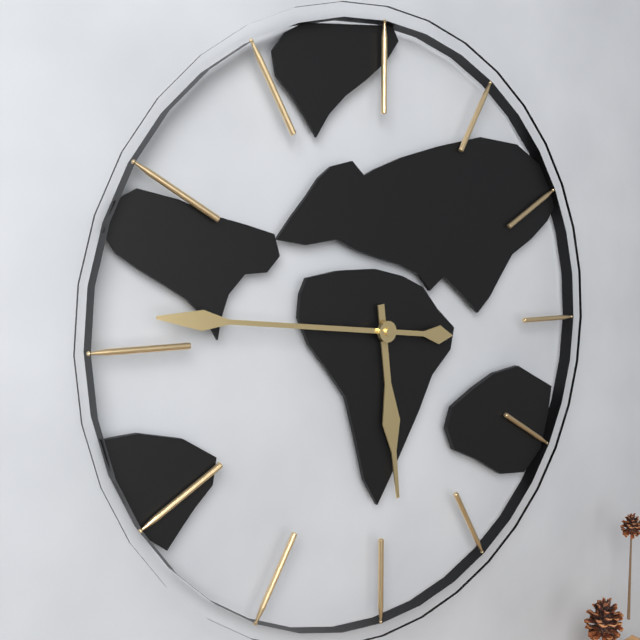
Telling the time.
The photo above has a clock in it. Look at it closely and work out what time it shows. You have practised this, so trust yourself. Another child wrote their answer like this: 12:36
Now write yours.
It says 5:46
